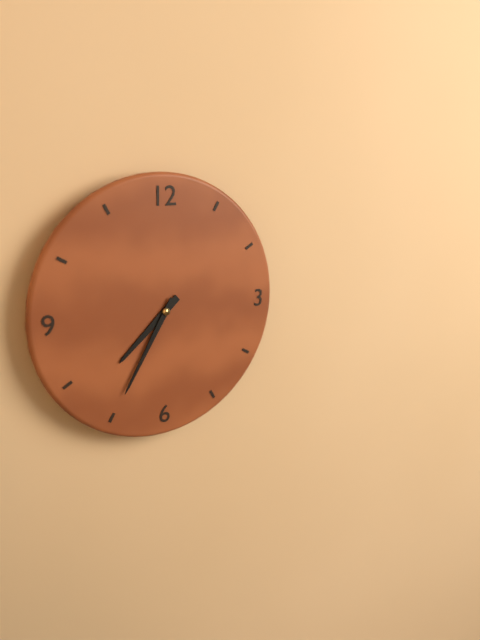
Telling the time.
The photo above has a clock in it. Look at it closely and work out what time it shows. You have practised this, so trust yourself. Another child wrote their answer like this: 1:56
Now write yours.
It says 7:35
